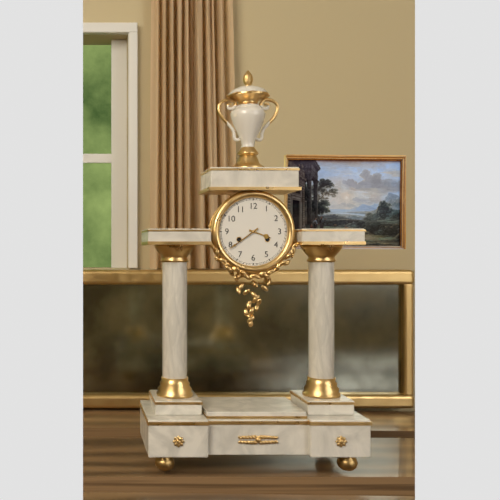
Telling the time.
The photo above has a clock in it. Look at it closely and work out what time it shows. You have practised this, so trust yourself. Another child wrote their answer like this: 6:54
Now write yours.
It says 3:39
